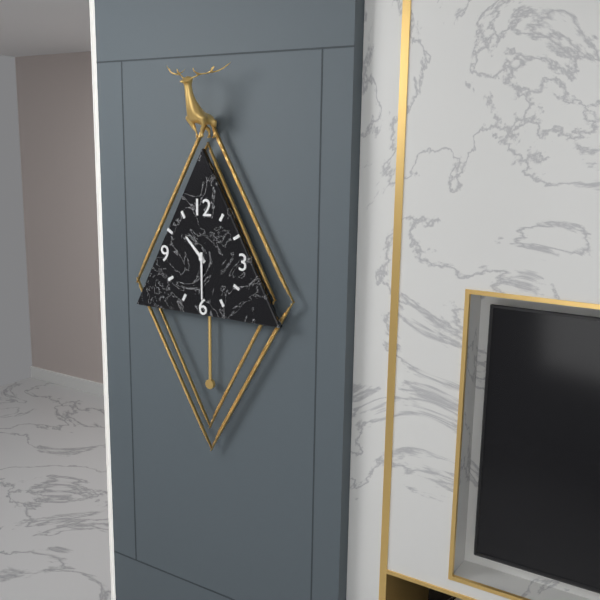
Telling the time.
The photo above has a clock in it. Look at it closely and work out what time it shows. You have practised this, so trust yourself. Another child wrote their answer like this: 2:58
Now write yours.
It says 10:30
